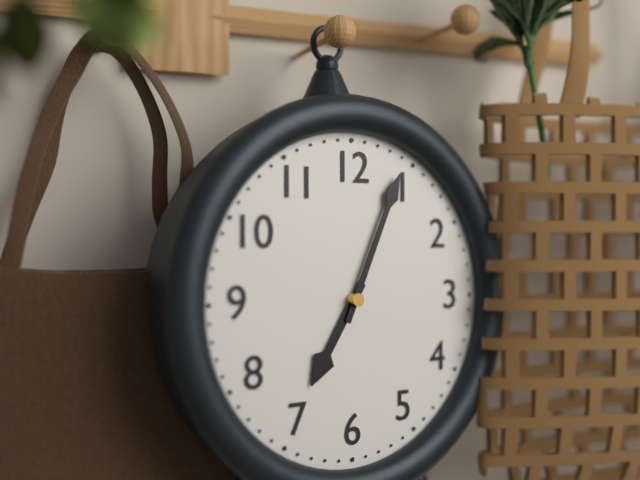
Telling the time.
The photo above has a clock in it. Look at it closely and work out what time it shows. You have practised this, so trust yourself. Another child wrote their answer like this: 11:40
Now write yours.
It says 7:04
